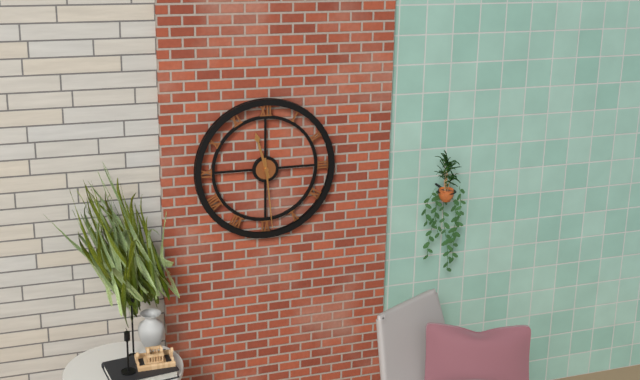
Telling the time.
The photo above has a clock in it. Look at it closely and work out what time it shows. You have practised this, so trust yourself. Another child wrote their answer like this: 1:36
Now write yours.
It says 11:29
